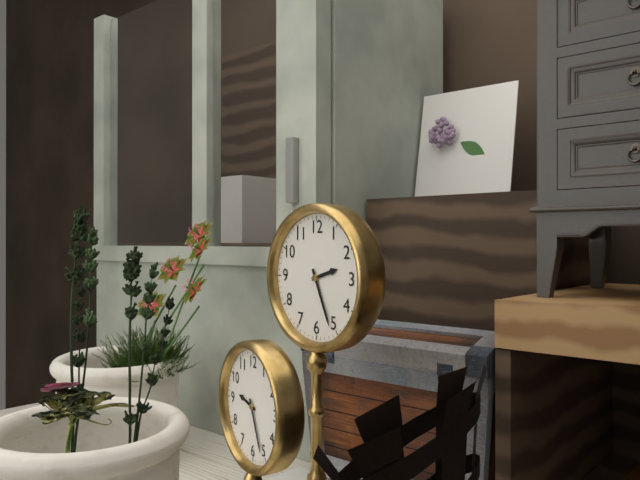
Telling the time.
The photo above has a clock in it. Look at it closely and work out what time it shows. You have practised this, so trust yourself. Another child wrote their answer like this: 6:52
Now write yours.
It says 2:26
